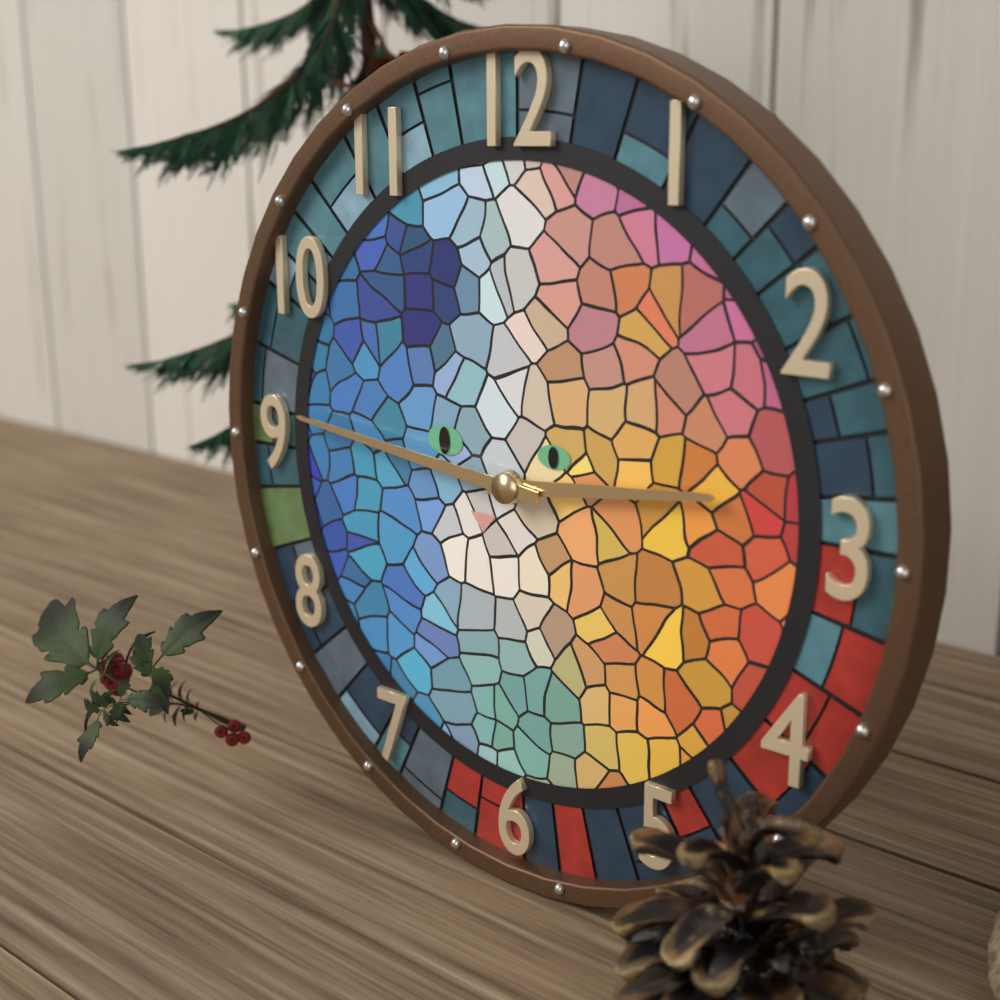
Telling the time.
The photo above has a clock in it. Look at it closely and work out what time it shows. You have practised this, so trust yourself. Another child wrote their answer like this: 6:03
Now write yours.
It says 2:46
